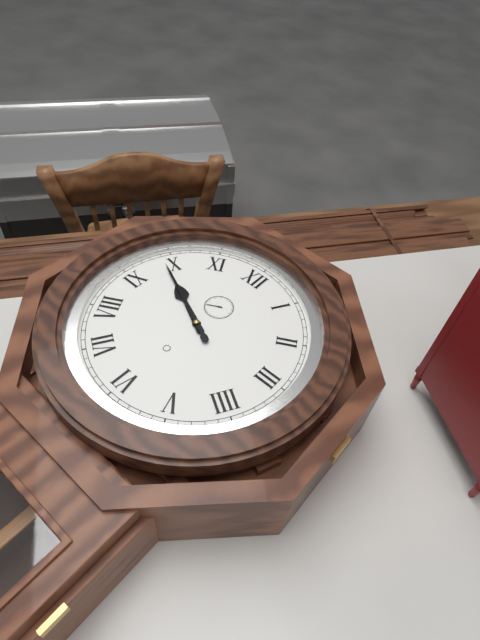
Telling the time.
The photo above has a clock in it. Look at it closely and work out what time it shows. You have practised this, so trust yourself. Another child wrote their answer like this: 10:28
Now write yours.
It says 9:49
